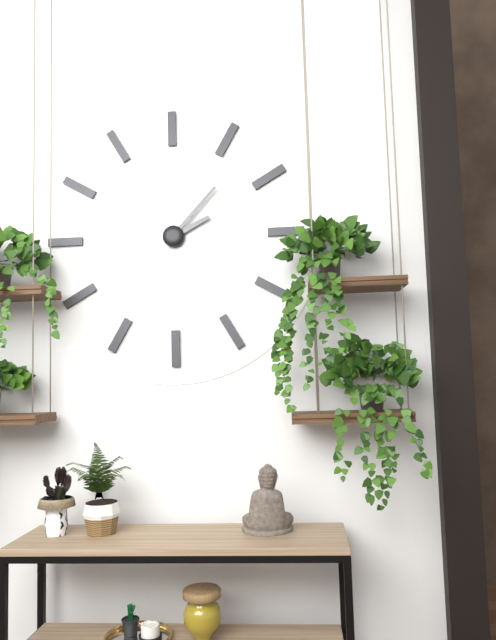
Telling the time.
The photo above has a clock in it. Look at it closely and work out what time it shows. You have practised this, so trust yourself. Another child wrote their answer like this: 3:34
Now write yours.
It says 2:07
